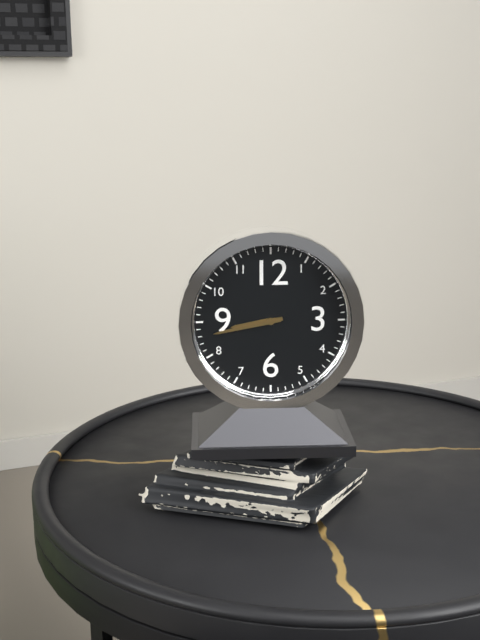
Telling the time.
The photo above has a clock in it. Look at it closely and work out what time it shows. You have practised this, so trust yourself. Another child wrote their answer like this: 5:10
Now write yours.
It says 8:43
